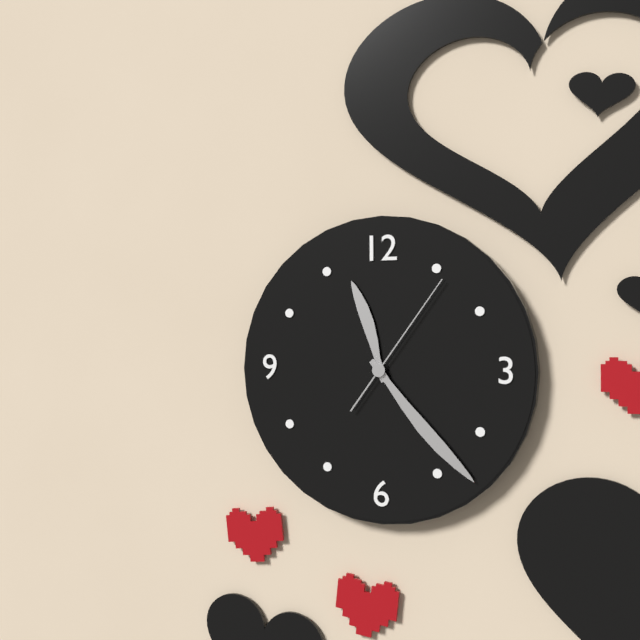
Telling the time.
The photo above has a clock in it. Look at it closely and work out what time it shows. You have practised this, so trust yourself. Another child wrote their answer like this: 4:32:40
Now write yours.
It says 11:23:06
